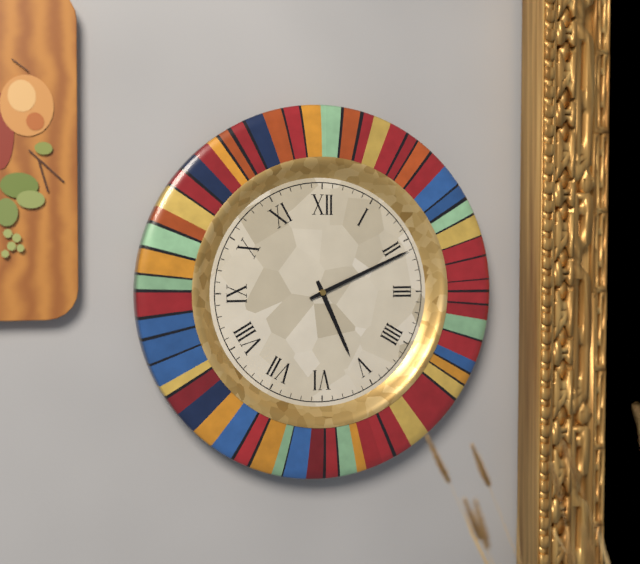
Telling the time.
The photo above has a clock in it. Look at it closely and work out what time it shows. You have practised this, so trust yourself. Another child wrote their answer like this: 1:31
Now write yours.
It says 5:11
